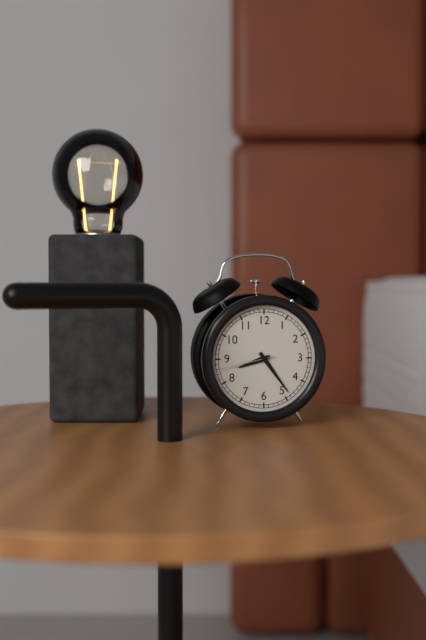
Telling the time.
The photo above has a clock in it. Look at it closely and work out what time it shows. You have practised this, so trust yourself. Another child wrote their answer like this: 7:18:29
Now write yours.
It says 8:24:43
